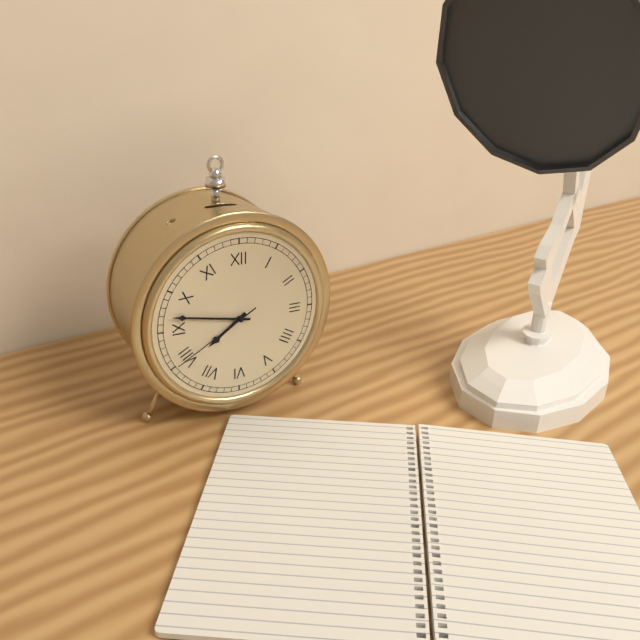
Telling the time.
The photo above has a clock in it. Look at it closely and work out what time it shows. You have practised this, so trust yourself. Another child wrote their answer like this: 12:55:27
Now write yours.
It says 7:47:40
